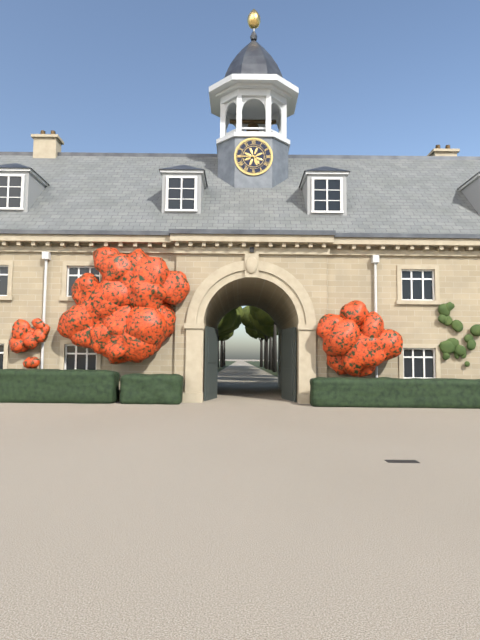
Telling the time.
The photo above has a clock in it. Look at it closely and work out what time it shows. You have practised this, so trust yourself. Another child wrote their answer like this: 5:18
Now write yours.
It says 4:45
